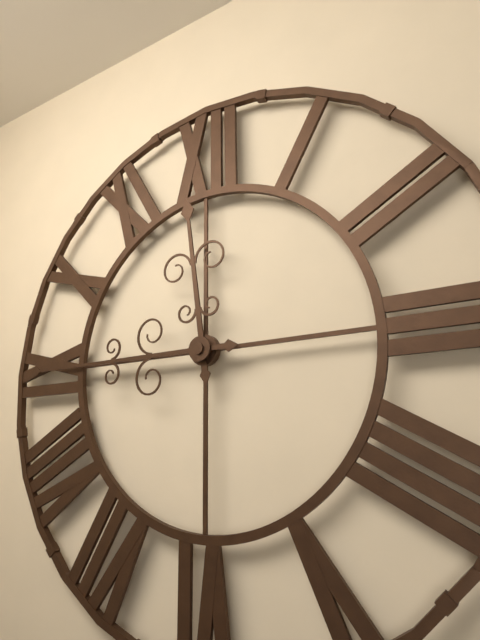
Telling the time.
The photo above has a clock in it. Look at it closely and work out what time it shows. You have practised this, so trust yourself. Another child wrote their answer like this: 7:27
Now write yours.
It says 11:45
